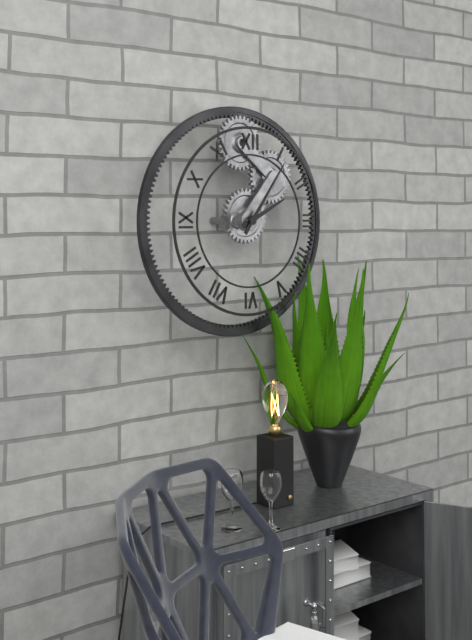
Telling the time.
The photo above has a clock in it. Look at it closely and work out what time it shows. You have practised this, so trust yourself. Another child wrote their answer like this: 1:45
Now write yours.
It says 2:06
